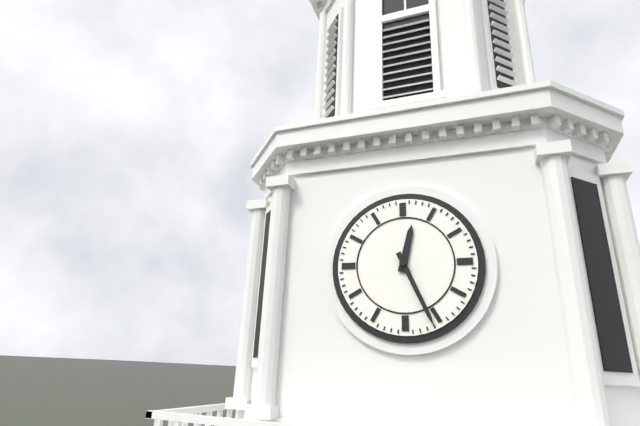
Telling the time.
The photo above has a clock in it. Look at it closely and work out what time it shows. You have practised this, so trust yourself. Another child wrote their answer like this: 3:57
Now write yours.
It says 12:26
